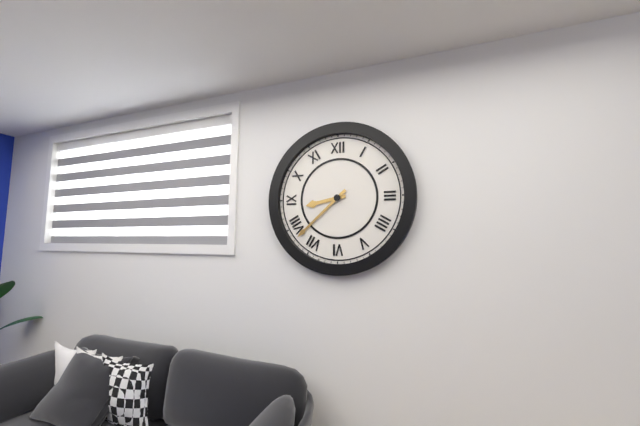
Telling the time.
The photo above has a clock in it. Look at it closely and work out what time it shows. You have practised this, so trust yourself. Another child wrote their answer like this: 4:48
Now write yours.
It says 8:38
